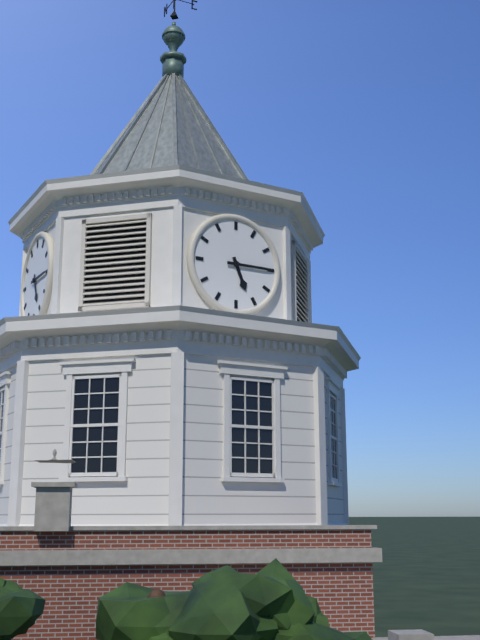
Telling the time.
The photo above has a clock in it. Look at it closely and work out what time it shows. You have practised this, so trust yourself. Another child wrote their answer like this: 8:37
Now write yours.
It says 5:15
